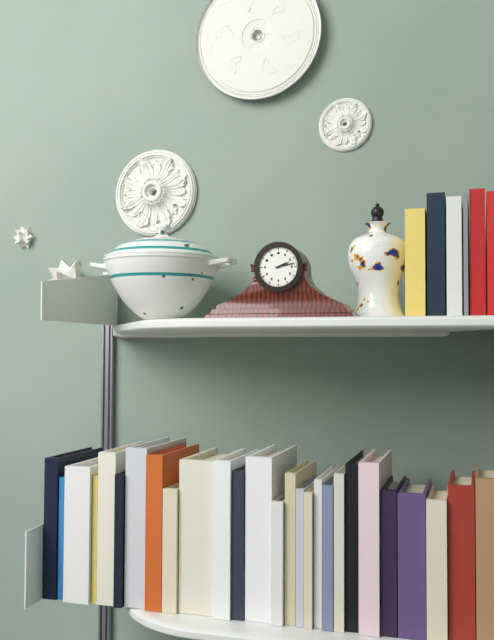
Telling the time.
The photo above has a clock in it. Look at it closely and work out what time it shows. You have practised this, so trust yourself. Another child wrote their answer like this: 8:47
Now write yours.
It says 2:13
